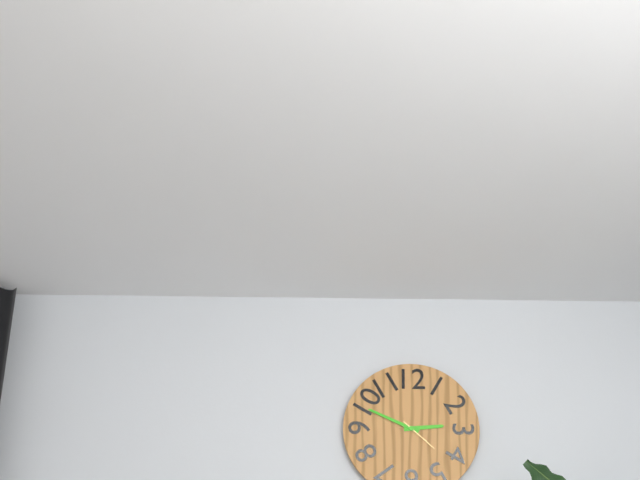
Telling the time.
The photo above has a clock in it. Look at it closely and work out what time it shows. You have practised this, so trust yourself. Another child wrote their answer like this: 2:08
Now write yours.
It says 2:49
